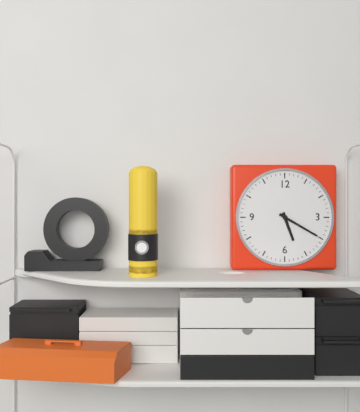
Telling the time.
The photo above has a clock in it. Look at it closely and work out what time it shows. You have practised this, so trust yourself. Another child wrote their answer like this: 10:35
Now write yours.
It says 5:20
